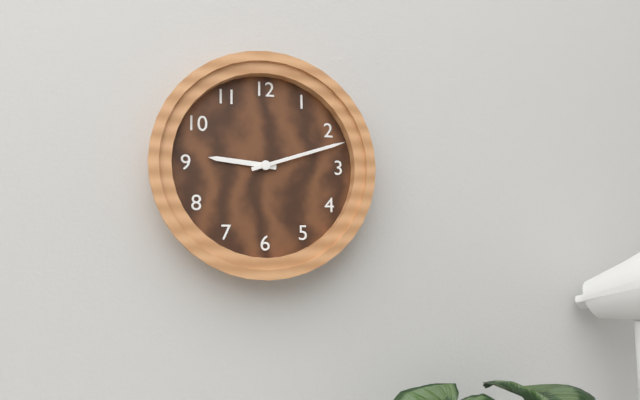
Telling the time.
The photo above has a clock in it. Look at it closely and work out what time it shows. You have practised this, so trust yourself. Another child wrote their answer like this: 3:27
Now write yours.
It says 9:12
